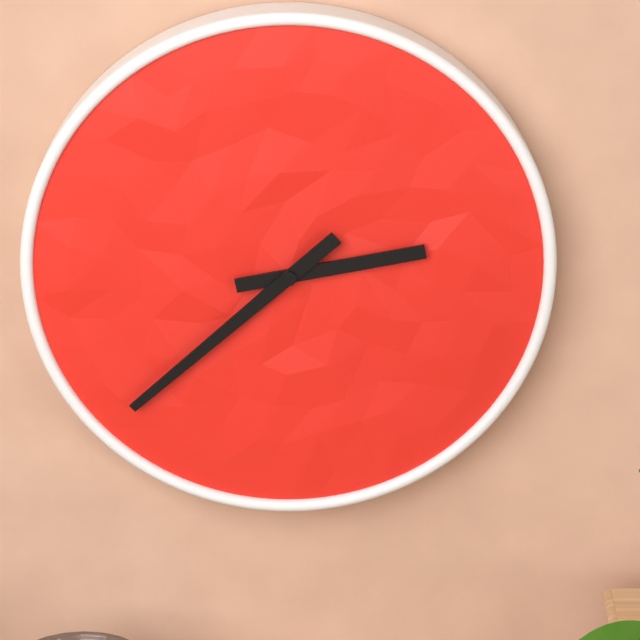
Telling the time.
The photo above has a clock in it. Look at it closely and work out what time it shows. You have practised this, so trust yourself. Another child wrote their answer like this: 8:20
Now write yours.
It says 2:38
